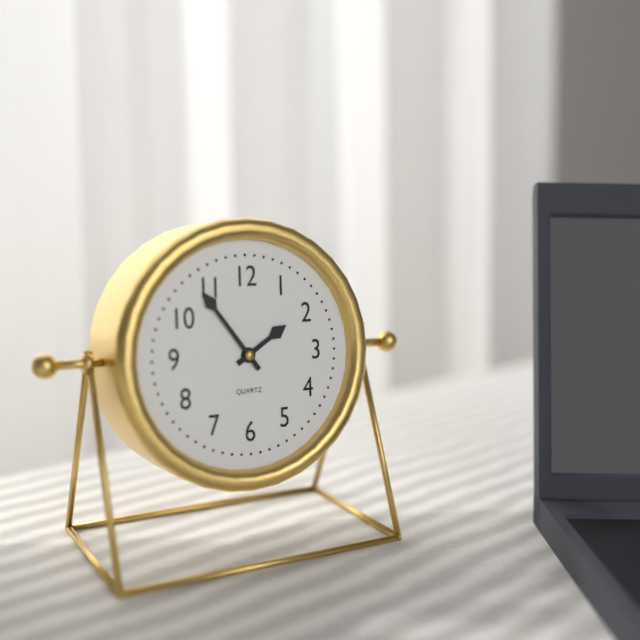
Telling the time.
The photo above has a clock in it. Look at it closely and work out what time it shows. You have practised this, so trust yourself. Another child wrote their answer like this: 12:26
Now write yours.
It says 1:54
